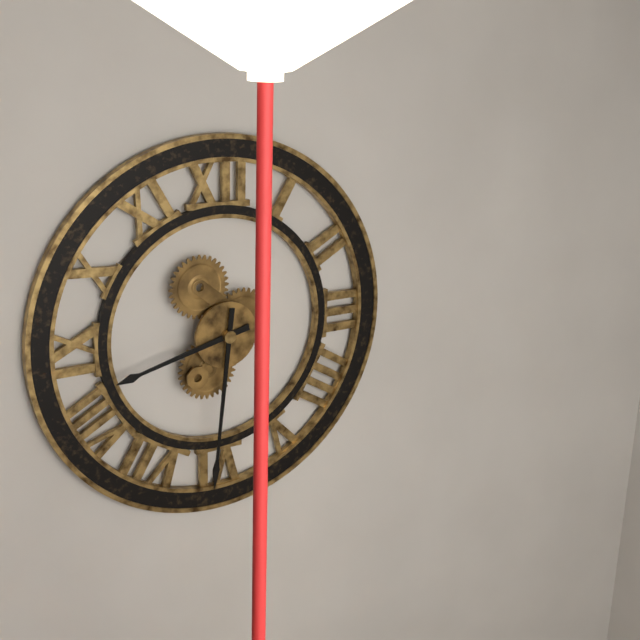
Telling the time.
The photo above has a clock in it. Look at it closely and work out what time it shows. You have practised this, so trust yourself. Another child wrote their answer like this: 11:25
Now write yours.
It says 8:31
